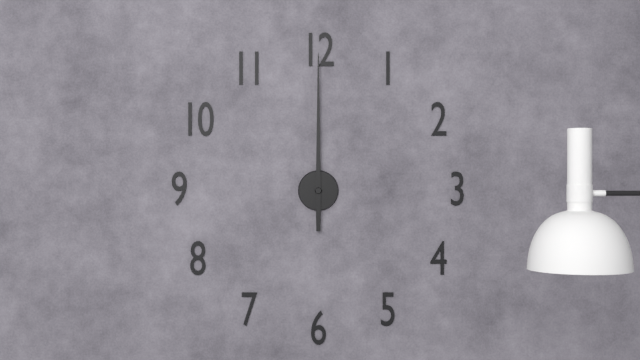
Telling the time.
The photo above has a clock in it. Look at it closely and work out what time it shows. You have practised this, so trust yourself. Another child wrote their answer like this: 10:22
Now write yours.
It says 12:00
